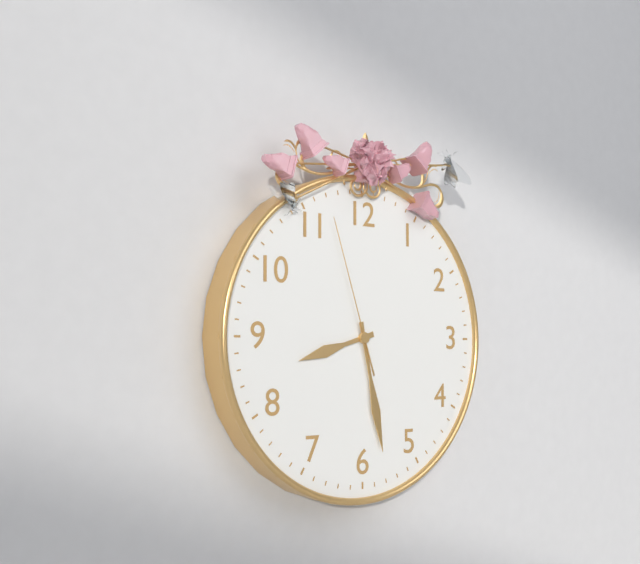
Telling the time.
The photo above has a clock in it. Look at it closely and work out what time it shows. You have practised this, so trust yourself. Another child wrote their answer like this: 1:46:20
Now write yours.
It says 8:28:57
